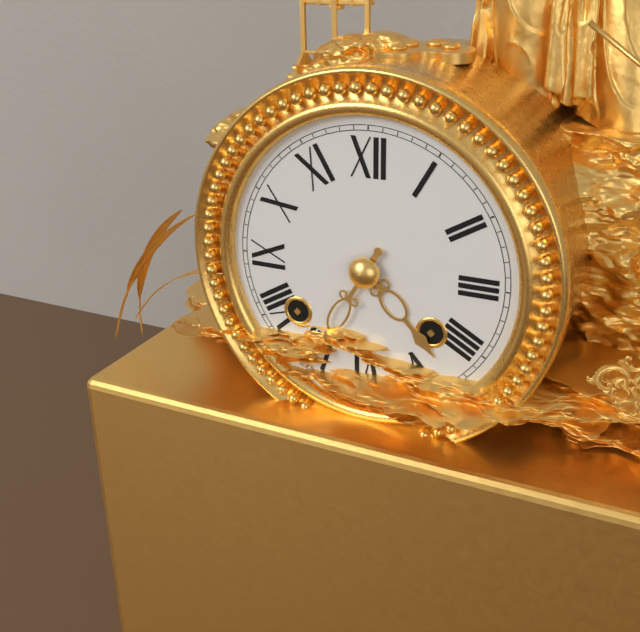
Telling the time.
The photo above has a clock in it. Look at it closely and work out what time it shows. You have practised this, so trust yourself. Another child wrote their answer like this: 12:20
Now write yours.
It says 4:35
